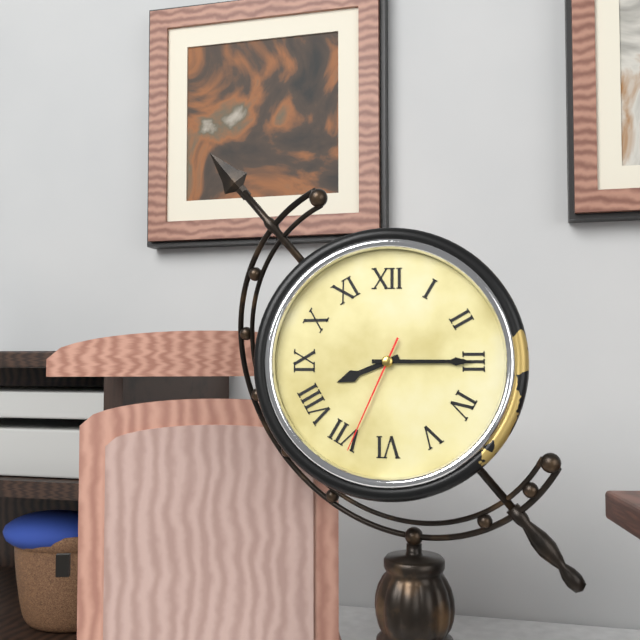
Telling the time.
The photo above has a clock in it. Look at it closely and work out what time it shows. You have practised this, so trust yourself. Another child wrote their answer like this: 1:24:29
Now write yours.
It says 8:15:34
